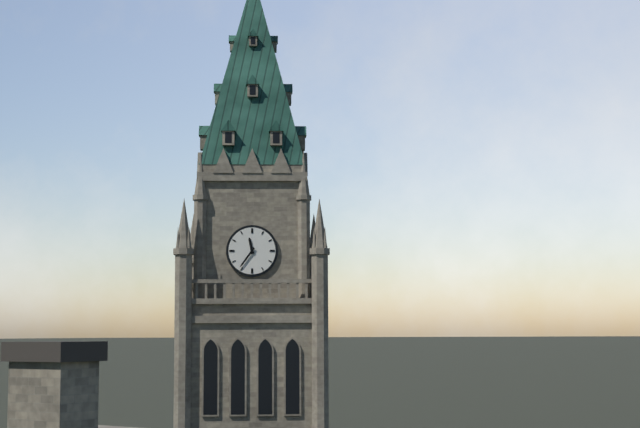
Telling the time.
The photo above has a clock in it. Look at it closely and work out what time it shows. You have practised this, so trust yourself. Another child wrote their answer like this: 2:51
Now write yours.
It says 11:36
